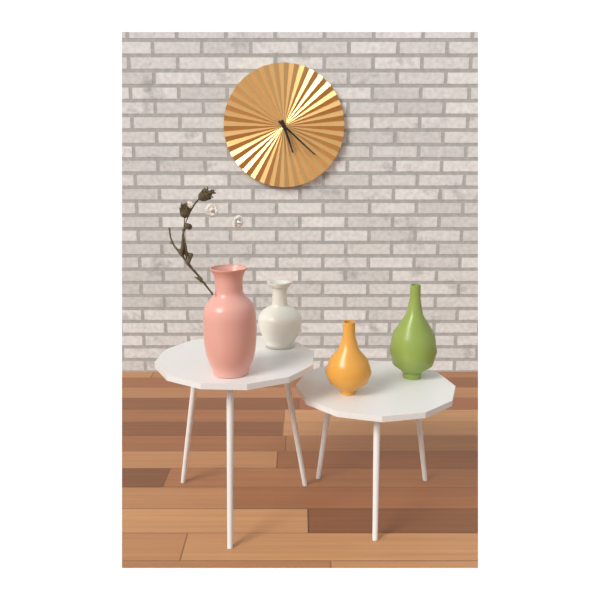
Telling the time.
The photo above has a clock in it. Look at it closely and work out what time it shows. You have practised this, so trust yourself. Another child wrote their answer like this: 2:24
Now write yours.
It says 5:22
